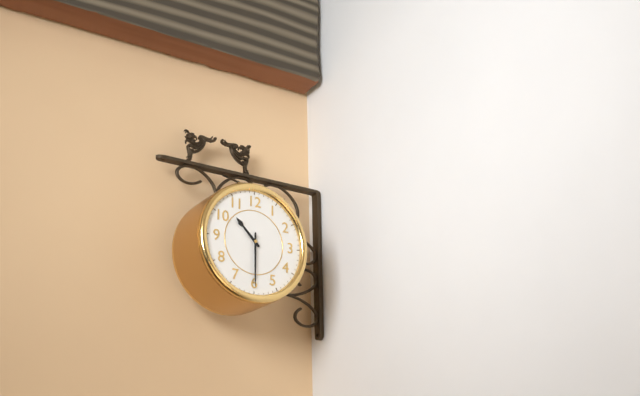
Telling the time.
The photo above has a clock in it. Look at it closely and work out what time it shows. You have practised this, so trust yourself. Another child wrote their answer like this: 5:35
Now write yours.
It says 10:30
